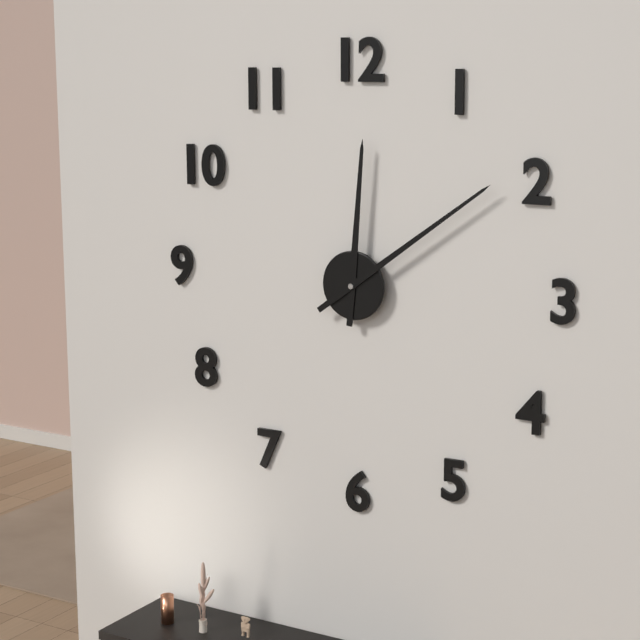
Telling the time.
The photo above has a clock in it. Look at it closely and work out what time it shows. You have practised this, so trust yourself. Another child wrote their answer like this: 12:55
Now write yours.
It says 12:09
